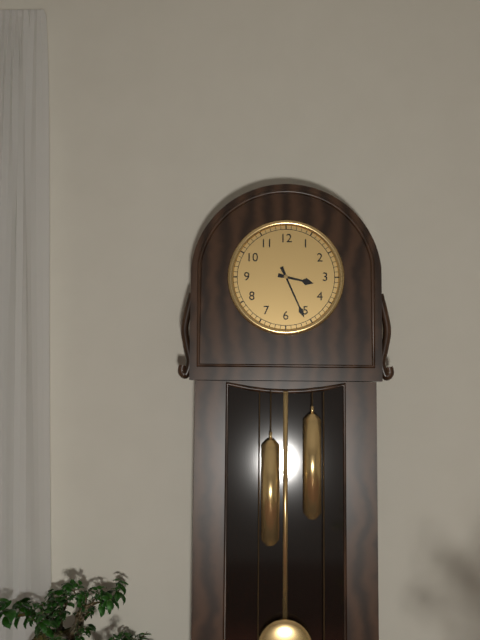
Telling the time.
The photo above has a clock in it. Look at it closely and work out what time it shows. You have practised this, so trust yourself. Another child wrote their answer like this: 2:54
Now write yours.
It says 3:26
